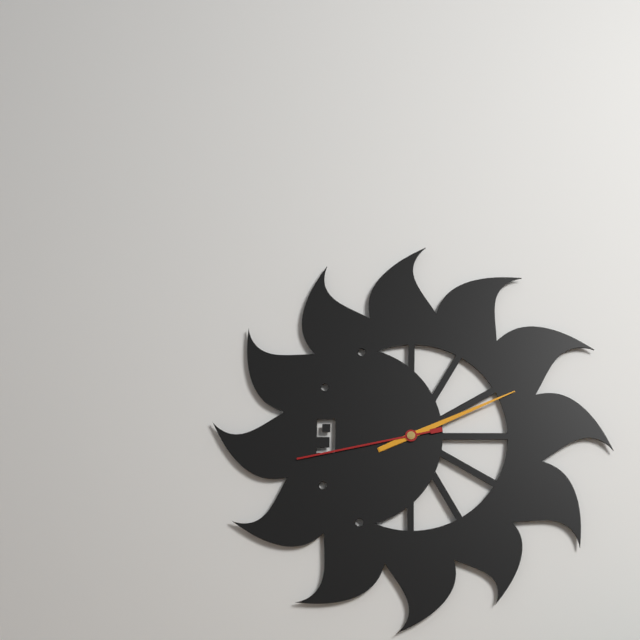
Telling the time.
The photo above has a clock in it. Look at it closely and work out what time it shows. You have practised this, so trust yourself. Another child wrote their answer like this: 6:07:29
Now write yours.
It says 2:11:43
